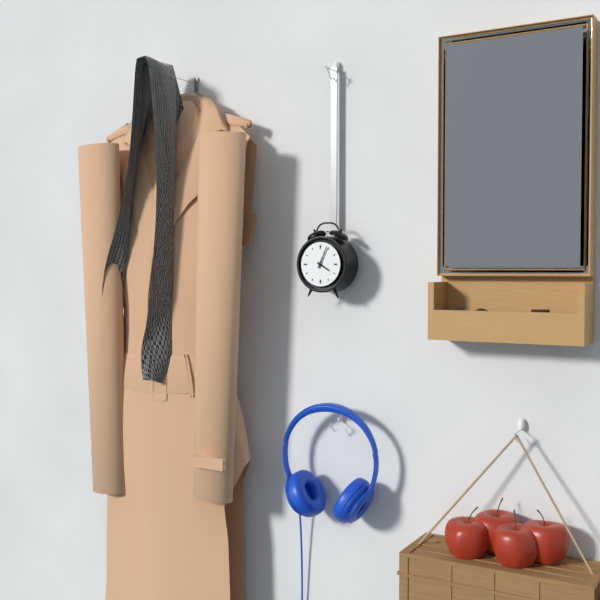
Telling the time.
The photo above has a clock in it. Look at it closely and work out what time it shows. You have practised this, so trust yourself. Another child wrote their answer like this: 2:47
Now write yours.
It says 4:04
